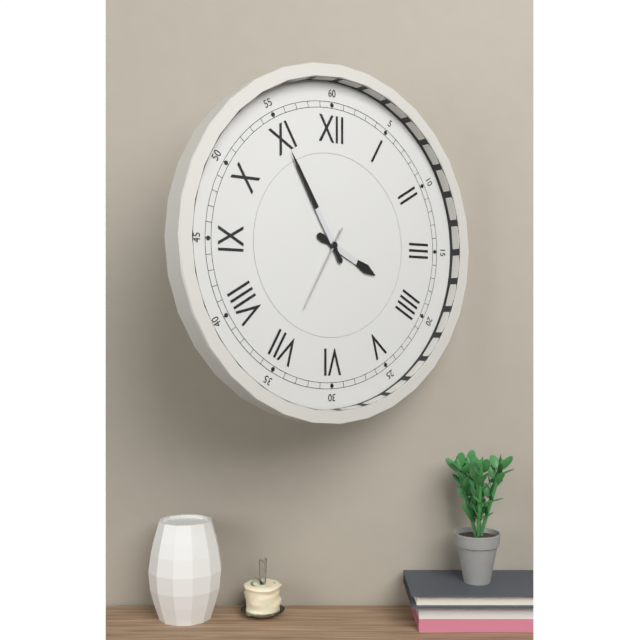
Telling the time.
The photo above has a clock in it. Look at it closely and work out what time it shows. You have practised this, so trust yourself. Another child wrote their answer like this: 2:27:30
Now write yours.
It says 3:55:35
